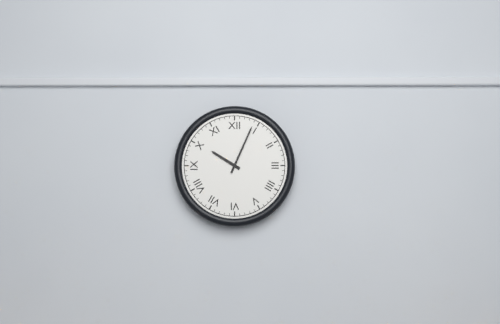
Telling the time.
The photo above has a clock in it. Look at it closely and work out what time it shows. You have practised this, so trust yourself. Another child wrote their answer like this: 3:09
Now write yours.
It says 10:04
